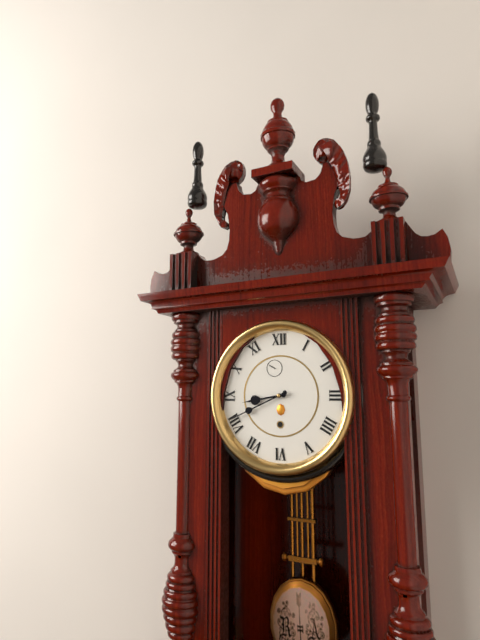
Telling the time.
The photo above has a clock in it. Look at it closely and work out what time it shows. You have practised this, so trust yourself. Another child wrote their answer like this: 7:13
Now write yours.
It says 8:41
